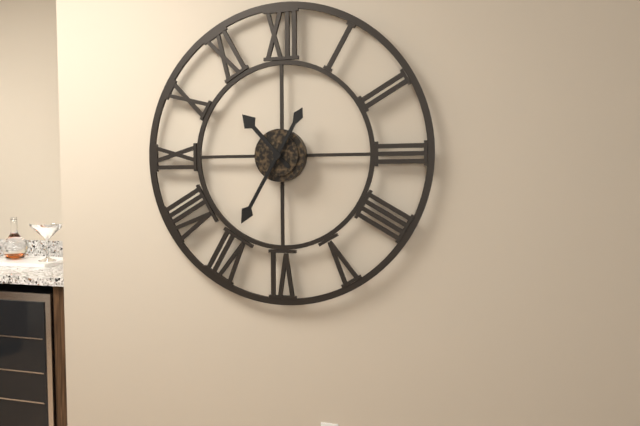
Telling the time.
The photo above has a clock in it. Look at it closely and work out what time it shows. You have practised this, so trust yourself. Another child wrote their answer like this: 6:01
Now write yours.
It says 10:35
